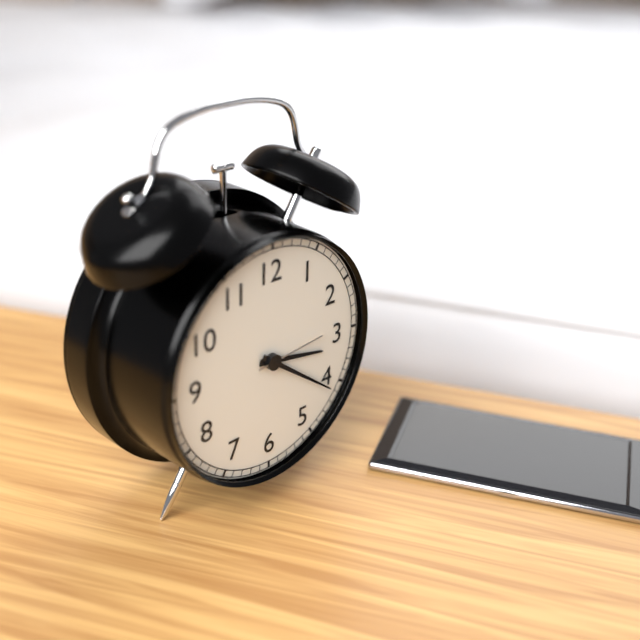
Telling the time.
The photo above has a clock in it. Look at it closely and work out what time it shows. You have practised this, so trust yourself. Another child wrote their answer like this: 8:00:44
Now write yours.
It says 3:21:14
